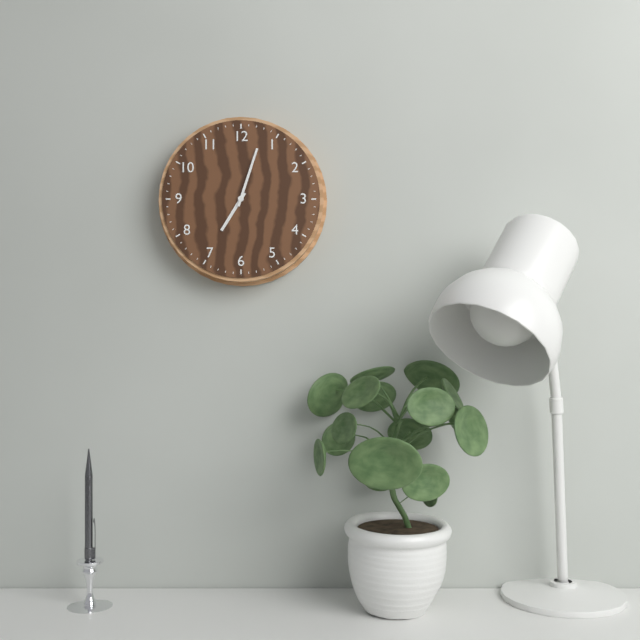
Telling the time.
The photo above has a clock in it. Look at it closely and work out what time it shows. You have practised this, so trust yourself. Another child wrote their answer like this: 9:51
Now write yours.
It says 7:03
